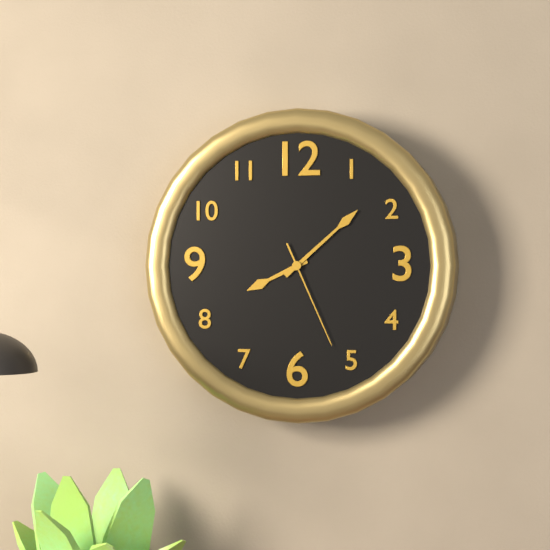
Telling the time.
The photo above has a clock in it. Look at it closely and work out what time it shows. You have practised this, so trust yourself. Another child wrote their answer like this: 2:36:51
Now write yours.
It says 8:08:26
